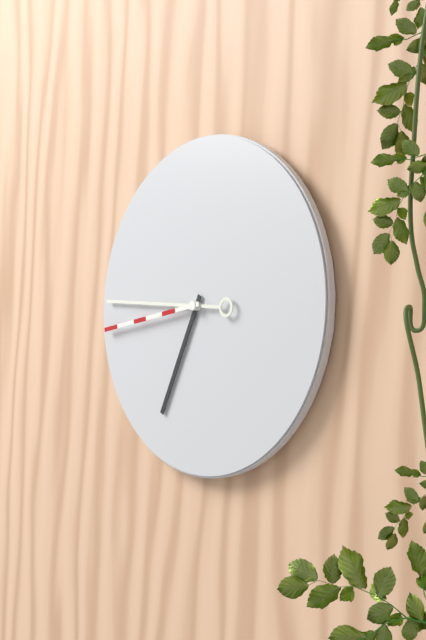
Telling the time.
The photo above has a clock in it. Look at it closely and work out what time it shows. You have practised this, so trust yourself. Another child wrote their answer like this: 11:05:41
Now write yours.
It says 6:45:43
